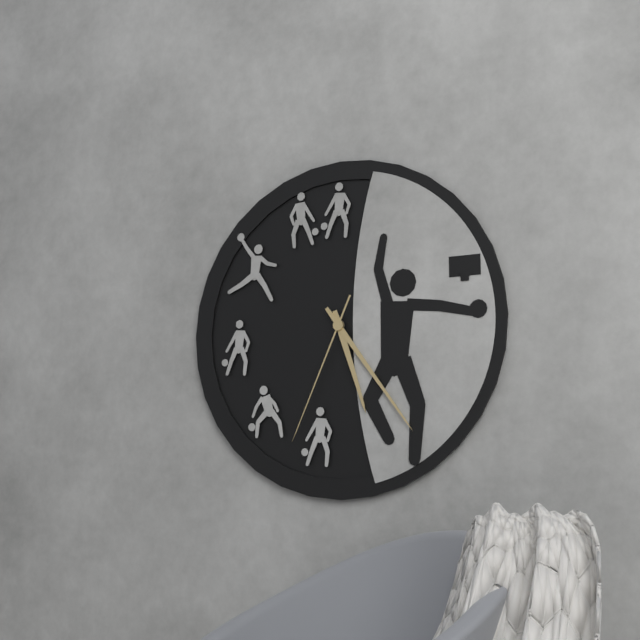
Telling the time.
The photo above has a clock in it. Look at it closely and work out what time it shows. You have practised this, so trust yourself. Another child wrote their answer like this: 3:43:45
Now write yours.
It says 5:24:34
